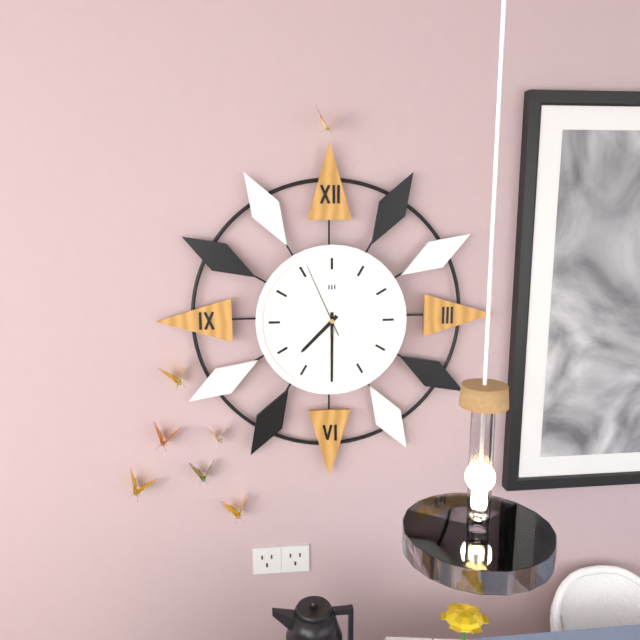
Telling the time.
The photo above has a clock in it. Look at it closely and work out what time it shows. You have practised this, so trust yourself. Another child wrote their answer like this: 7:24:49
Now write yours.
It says 7:30:56
